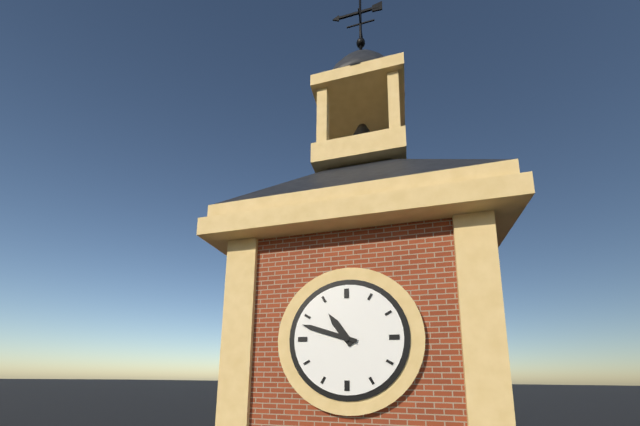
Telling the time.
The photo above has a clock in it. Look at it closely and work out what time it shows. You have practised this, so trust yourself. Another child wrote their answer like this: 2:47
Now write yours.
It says 10:48
